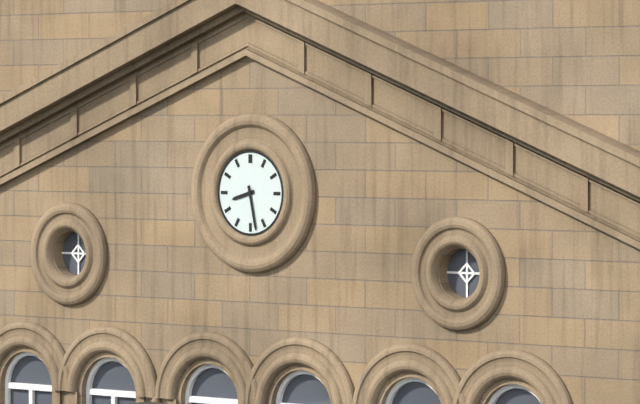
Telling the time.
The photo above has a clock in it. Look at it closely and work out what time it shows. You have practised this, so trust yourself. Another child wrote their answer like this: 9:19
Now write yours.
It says 8:28
